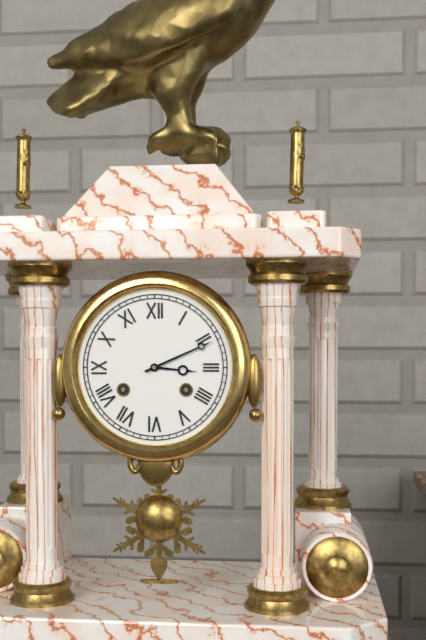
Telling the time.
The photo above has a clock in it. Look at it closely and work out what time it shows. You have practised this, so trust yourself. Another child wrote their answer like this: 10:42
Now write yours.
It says 3:11
